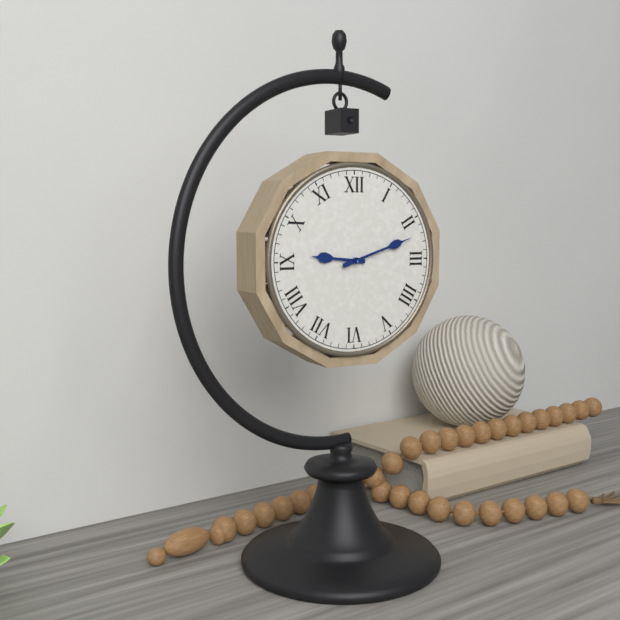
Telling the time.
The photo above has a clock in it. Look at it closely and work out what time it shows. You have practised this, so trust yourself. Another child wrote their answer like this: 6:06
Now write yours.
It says 9:12
